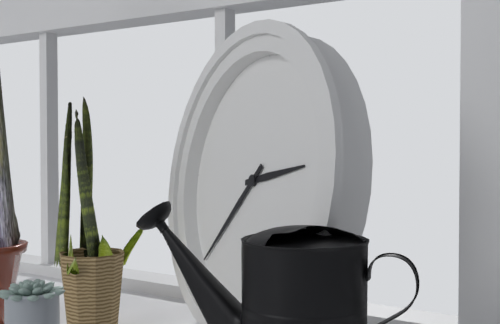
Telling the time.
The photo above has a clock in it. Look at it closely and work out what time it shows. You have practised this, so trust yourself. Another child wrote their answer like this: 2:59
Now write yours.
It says 2:37
